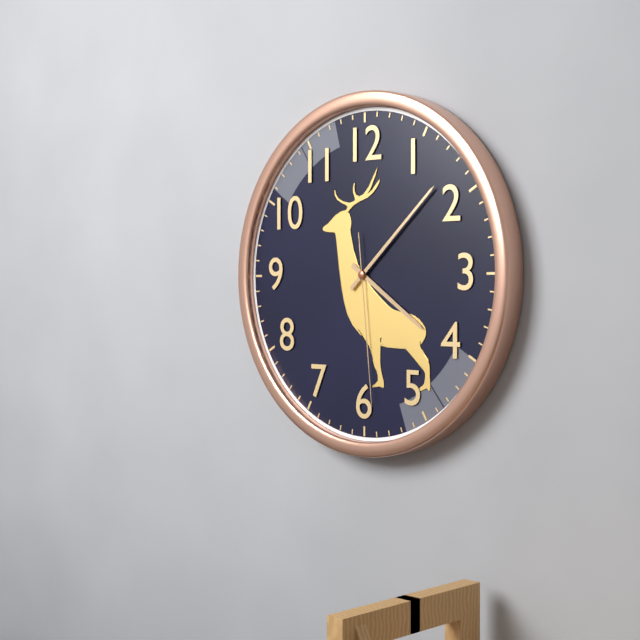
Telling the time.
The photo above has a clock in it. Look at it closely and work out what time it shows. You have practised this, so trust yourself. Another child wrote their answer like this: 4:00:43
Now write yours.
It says 4:08:29
